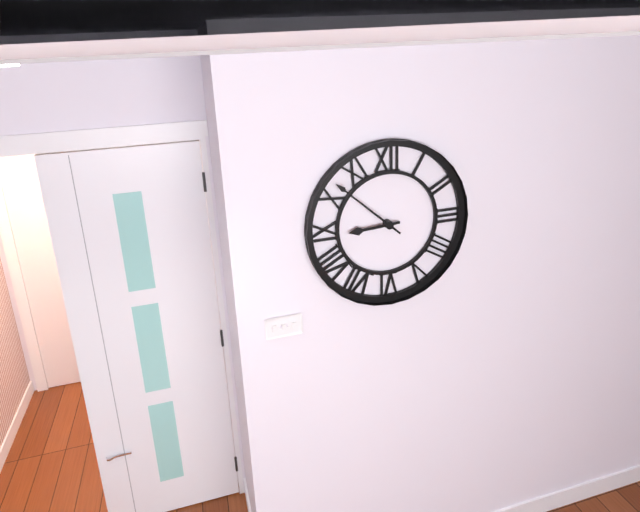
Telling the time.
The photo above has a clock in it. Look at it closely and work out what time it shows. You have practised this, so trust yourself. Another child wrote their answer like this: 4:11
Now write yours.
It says 8:52
